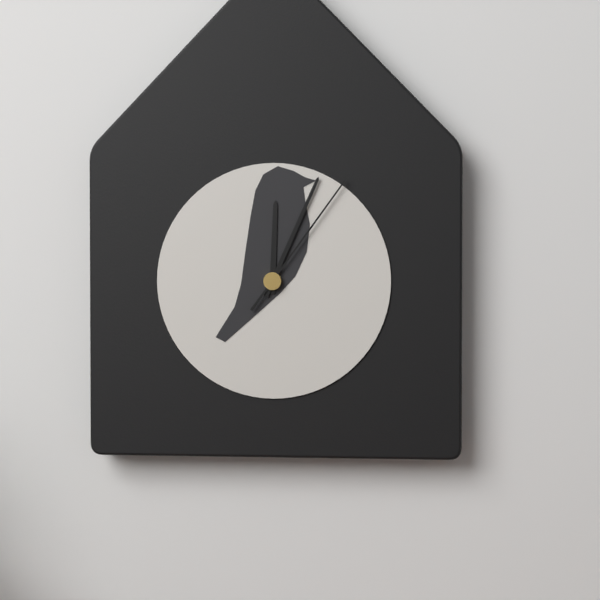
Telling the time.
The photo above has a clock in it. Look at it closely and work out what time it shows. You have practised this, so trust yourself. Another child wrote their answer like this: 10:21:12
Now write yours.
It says 12:04:06
